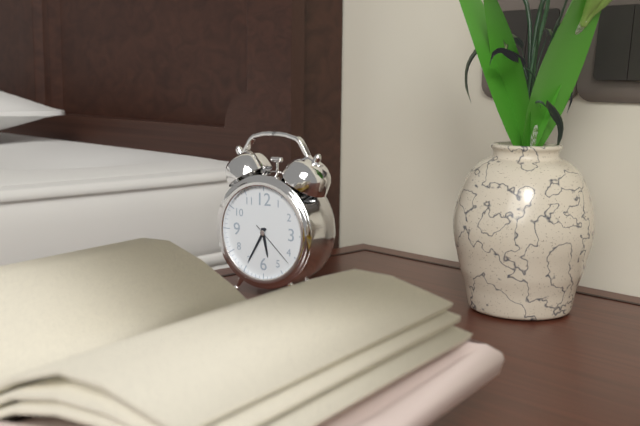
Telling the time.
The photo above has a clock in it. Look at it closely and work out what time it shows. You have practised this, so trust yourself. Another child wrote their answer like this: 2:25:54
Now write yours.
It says 5:35:22
